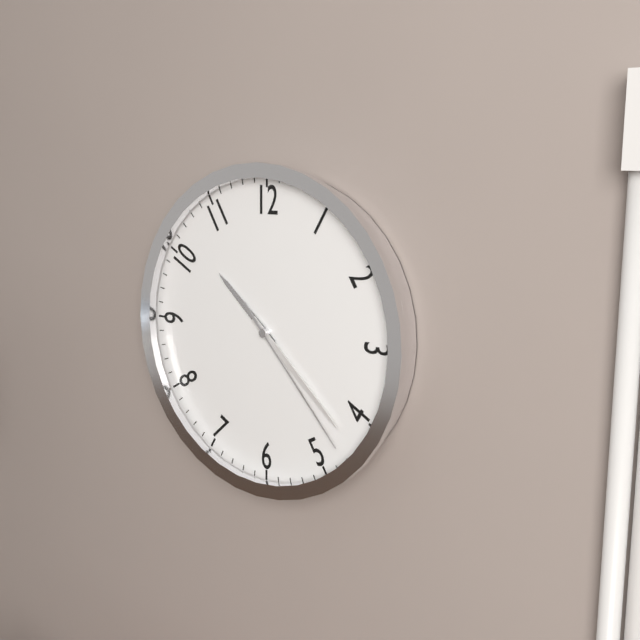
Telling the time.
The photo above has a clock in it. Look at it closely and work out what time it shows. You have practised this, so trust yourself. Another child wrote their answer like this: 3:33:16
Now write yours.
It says 10:22:23
